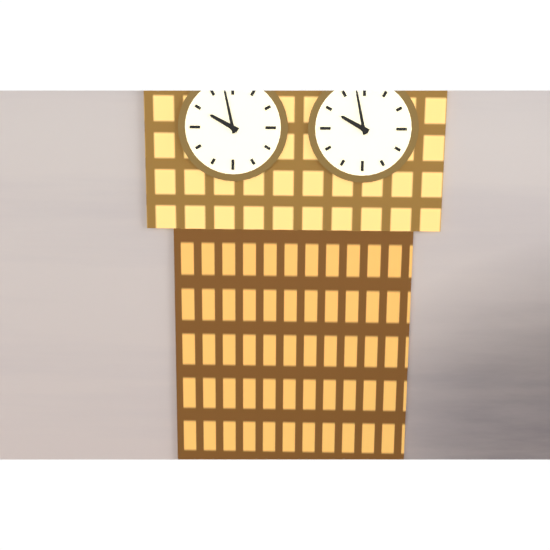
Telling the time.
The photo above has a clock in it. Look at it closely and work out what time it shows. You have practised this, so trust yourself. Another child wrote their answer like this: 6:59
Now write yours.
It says 9:58
